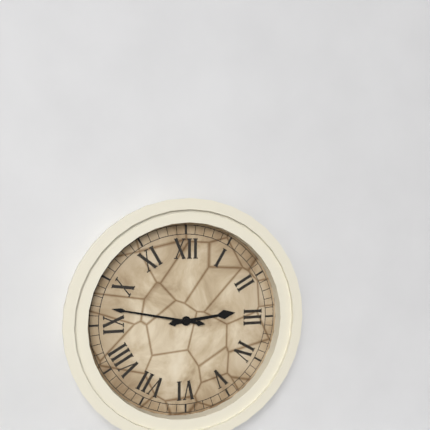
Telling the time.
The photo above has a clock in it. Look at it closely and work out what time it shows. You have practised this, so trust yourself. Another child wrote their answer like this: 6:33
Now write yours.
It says 2:47
